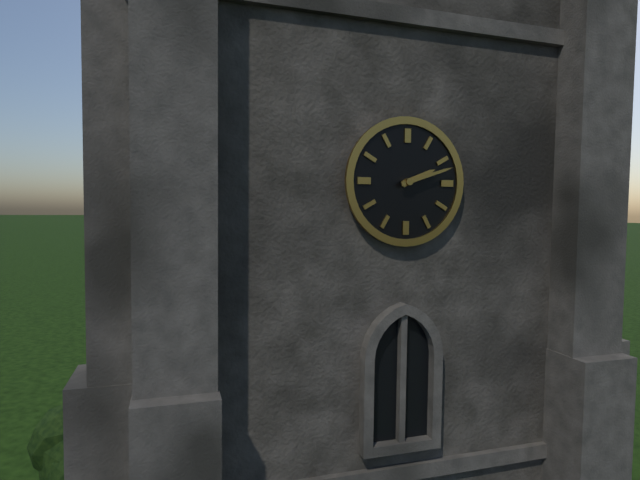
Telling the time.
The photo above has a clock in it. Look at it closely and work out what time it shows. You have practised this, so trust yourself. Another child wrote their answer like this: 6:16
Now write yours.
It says 2:12
